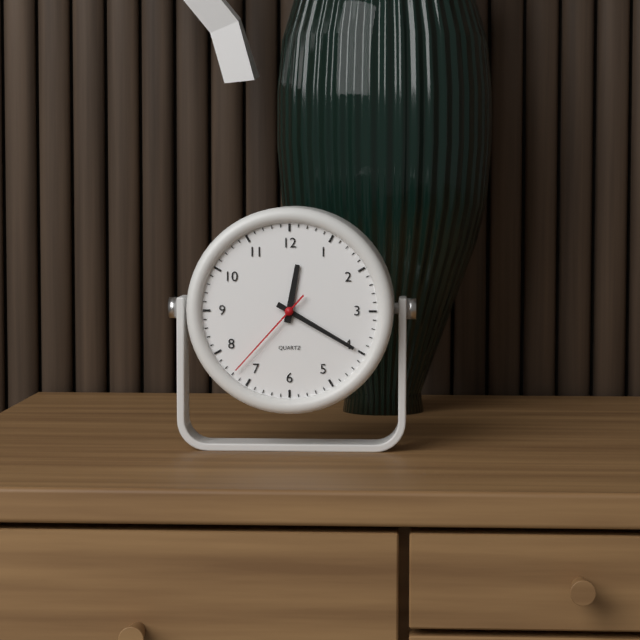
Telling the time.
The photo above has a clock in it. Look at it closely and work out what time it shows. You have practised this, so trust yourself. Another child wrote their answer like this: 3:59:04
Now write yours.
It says 12:20:37
